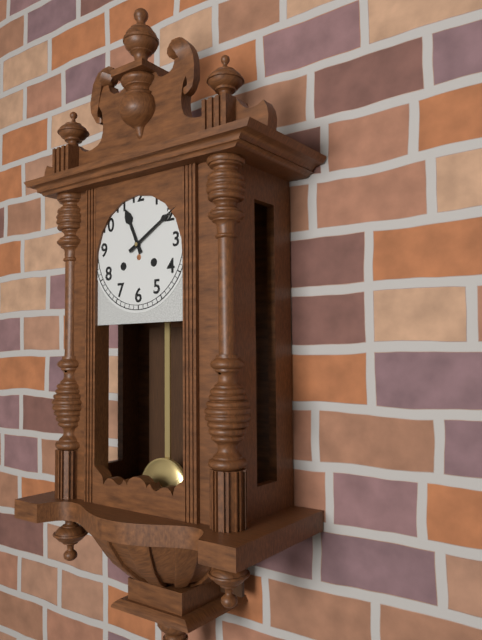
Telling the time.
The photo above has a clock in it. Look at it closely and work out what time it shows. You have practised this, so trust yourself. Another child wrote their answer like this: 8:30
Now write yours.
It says 11:10
